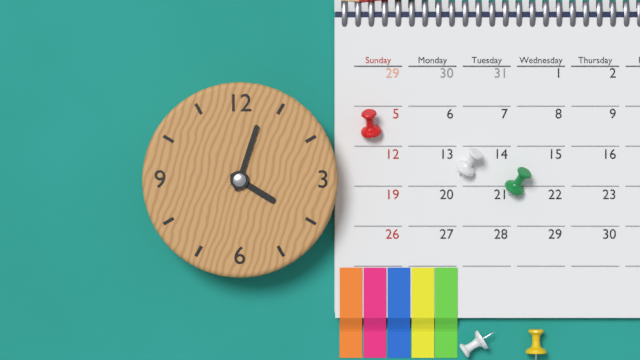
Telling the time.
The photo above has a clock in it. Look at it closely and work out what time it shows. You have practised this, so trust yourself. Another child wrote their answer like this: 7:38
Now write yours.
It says 4:03
